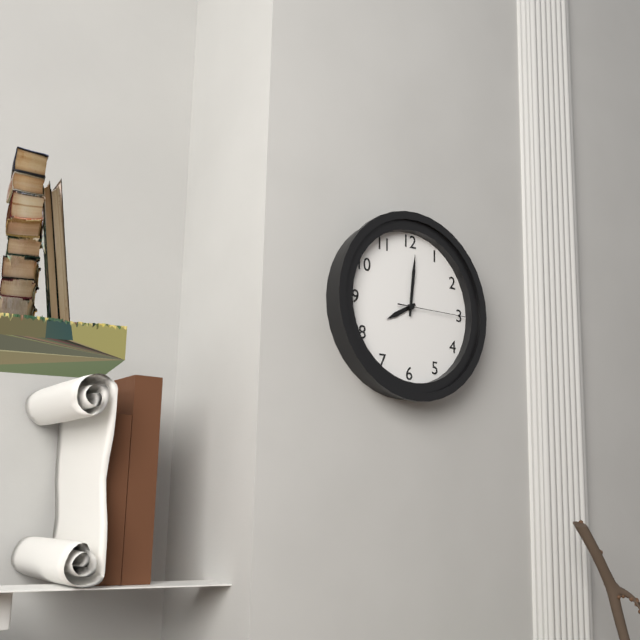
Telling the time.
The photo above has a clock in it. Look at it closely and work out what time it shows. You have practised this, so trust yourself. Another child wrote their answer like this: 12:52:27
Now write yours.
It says 8:01:15
